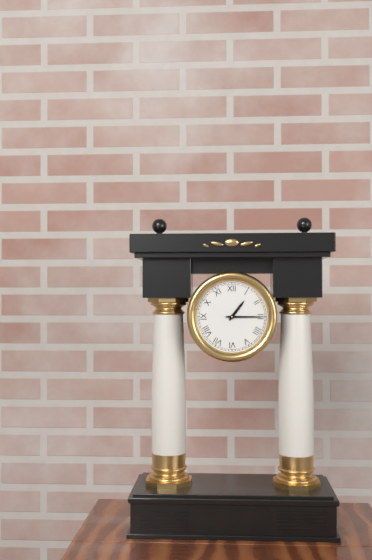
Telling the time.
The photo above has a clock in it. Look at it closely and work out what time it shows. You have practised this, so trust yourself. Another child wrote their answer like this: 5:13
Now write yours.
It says 1:15
